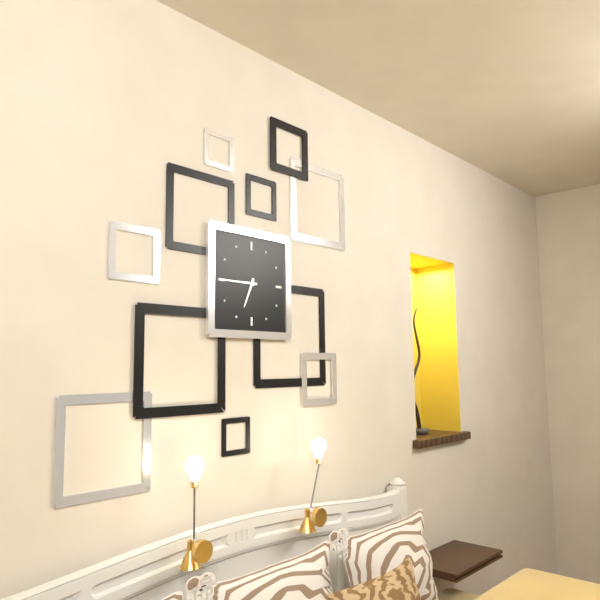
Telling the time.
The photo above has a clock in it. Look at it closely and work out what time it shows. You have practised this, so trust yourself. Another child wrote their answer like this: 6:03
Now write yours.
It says 6:45
